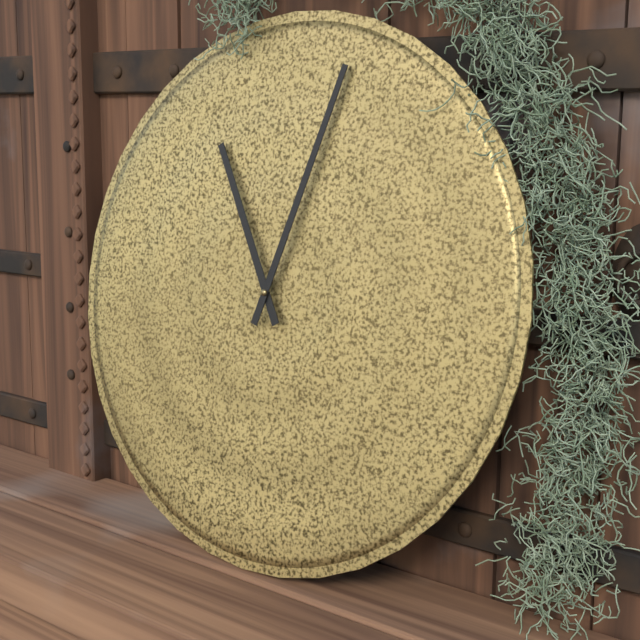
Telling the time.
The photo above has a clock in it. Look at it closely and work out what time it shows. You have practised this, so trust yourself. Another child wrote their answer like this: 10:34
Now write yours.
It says 11:03
